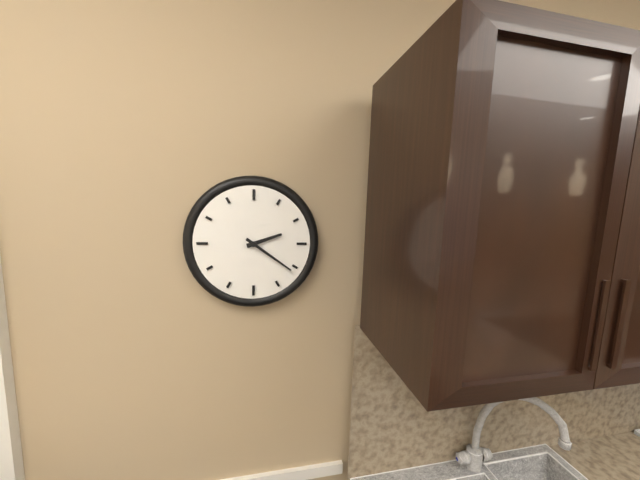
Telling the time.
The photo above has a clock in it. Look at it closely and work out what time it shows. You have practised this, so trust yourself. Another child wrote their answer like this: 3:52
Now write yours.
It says 2:21
